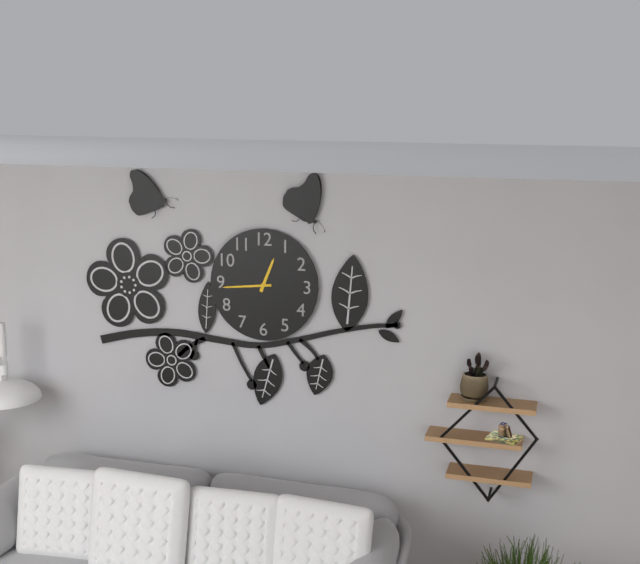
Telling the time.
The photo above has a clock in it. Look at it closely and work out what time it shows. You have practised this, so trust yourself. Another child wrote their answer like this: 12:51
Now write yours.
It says 12:44
